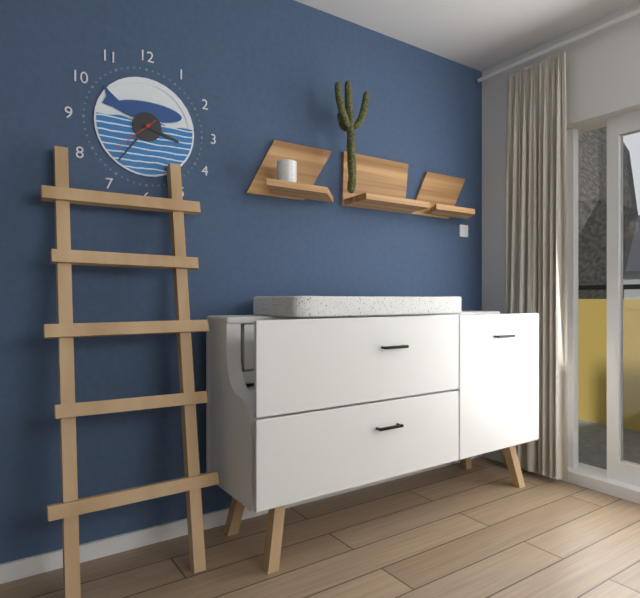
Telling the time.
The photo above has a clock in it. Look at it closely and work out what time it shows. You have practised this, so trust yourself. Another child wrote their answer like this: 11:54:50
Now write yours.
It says 3:36:38
